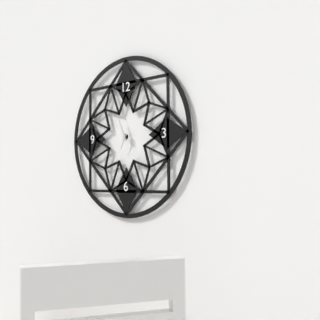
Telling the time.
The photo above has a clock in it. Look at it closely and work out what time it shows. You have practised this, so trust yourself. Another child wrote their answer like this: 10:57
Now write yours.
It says 6:56
